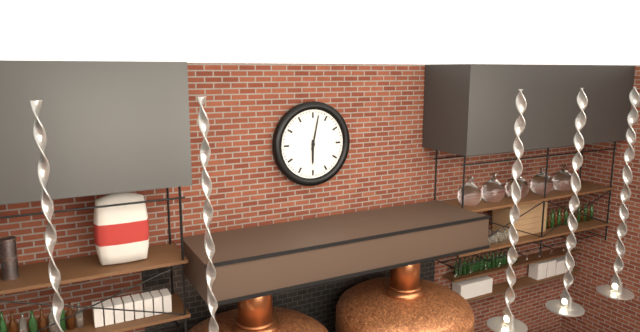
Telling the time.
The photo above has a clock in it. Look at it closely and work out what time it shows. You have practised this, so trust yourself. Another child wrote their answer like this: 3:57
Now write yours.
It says 6:02
